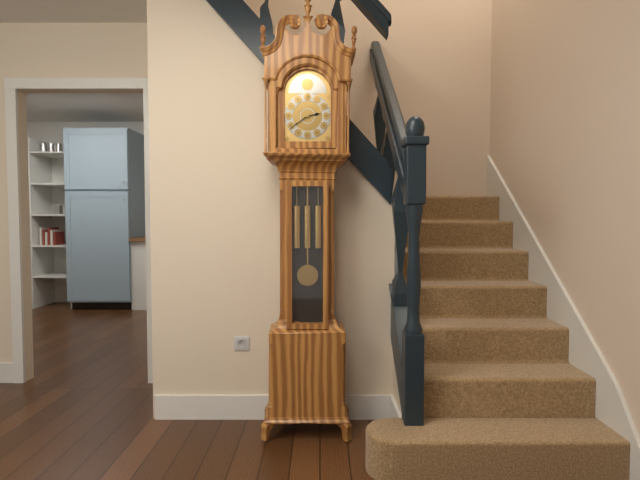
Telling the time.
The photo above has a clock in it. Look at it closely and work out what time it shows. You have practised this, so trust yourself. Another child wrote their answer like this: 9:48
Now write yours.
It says 2:39
